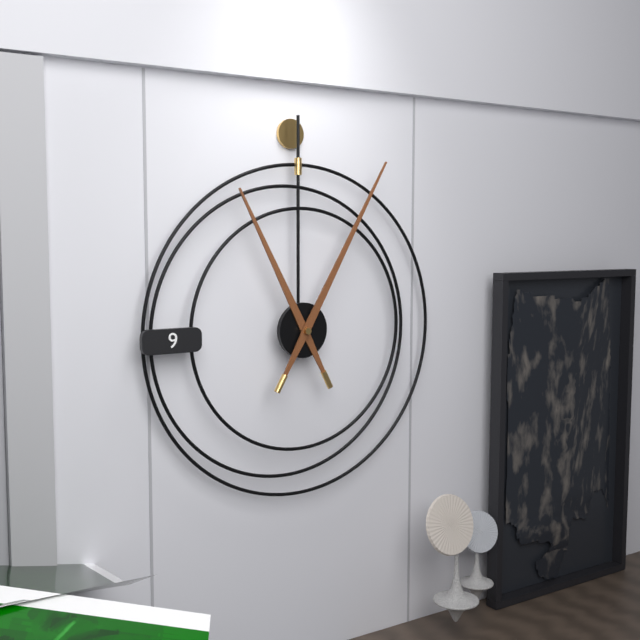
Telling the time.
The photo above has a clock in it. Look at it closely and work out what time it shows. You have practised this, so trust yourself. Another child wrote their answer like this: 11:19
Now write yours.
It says 11:05
